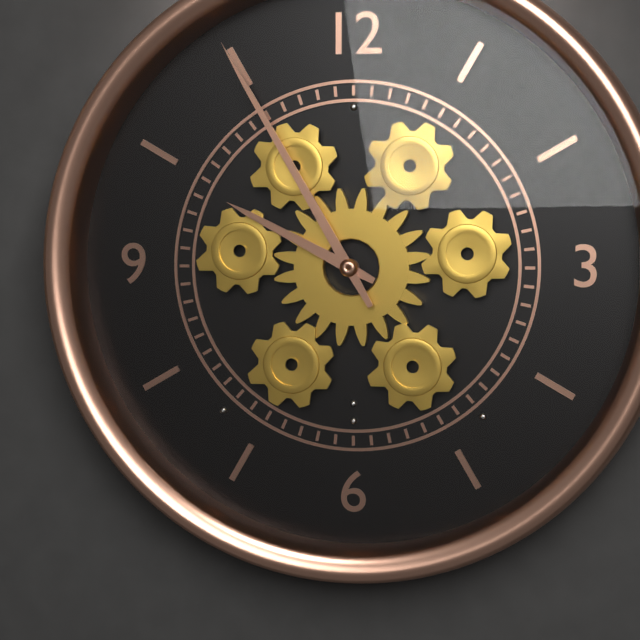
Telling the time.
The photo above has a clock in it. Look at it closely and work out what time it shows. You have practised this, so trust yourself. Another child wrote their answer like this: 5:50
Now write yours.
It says 9:55
